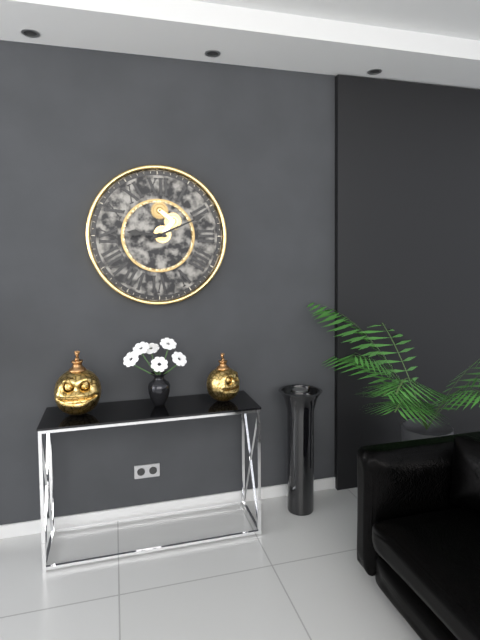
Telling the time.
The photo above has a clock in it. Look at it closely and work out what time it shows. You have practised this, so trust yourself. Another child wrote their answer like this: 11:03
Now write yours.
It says 9:11
